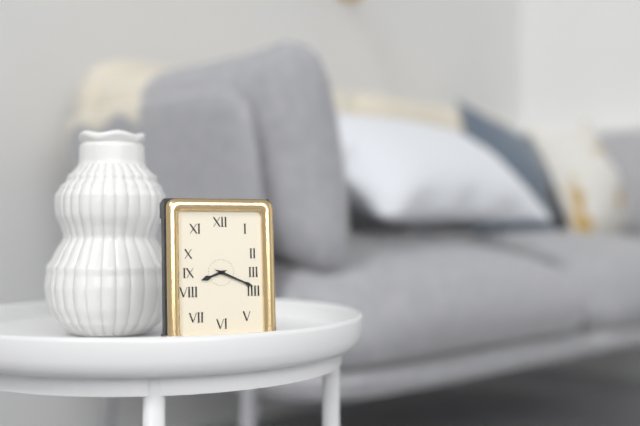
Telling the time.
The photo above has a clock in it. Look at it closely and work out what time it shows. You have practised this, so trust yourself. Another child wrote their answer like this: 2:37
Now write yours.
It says 8:19
